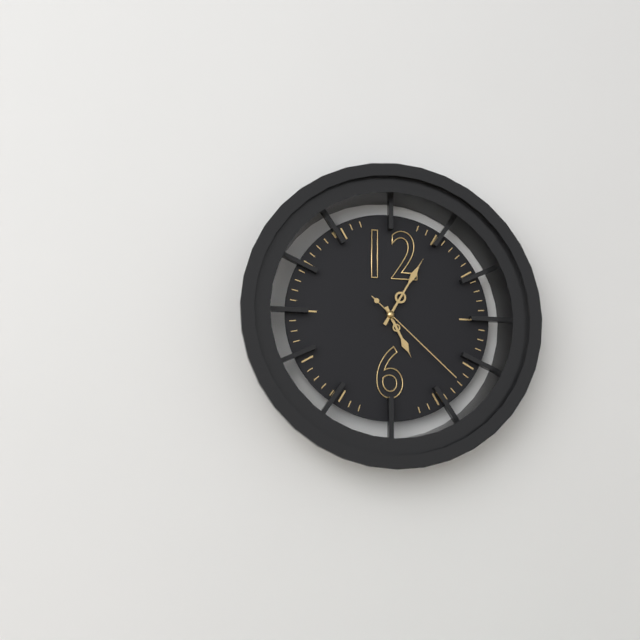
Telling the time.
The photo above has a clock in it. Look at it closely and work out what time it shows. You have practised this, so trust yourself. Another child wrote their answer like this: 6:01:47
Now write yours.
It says 5:05:22
